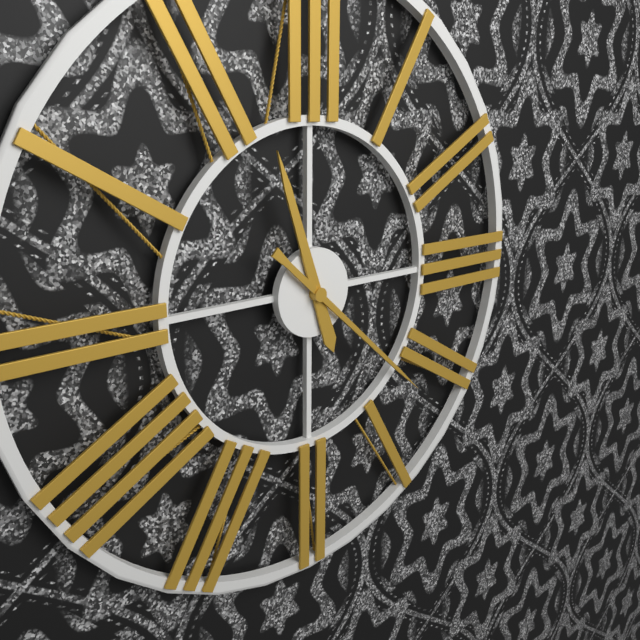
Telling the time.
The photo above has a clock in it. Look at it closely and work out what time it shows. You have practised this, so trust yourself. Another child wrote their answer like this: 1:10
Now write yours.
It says 11:22
